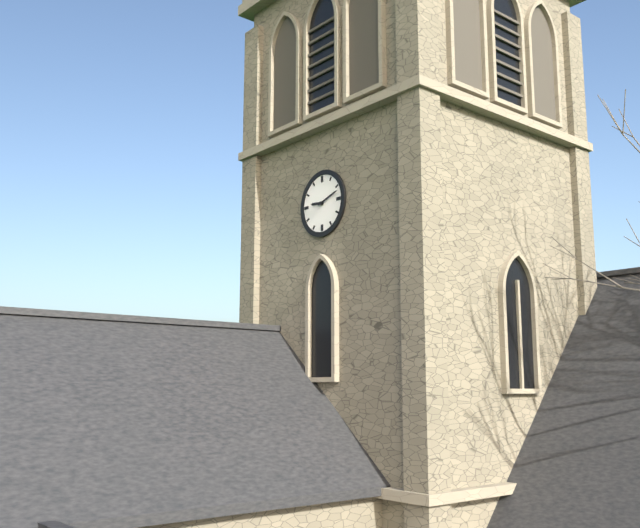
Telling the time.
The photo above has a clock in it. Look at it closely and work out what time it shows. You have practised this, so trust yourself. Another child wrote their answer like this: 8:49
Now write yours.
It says 9:12
